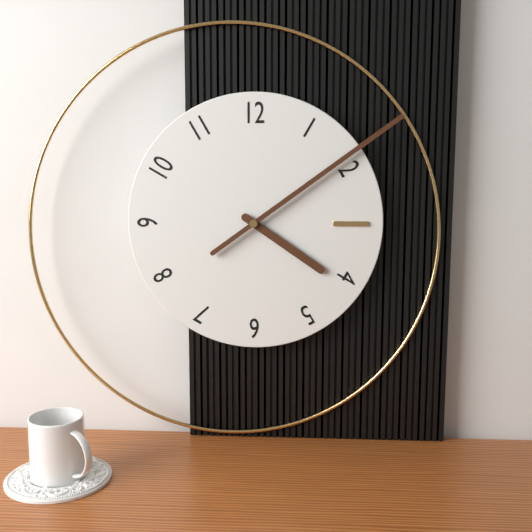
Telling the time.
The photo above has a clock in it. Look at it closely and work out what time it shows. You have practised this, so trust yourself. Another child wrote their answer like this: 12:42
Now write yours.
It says 4:09
